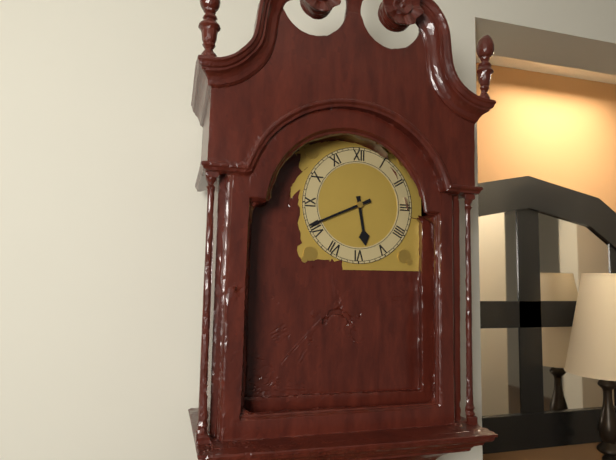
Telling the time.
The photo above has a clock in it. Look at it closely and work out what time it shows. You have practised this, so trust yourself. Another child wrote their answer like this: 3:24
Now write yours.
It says 5:41
